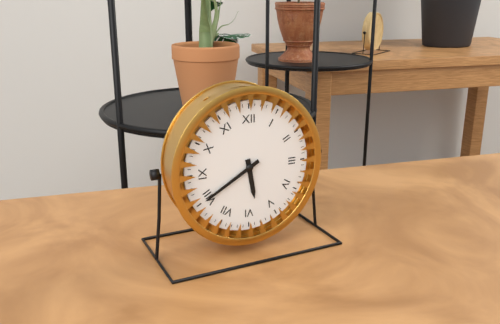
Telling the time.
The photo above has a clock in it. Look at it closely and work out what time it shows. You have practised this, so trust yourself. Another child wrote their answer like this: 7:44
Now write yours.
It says 5:40
